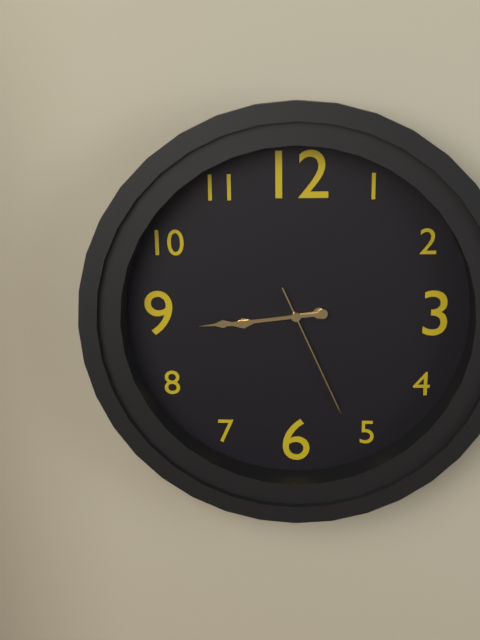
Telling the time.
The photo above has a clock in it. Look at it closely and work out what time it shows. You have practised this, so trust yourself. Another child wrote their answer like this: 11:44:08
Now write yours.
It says 8:44:26
